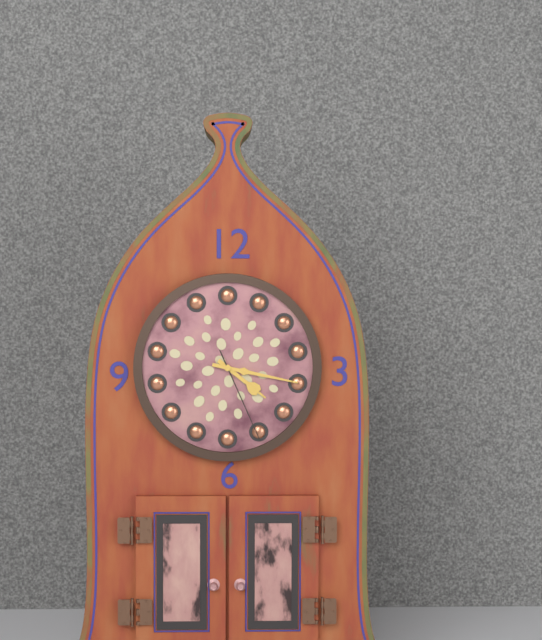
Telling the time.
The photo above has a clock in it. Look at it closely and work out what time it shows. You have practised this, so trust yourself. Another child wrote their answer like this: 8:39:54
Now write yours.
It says 4:17:26
